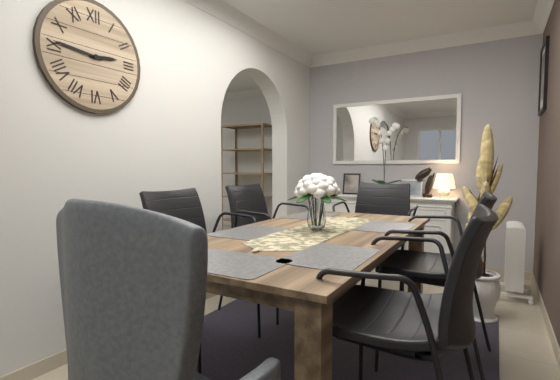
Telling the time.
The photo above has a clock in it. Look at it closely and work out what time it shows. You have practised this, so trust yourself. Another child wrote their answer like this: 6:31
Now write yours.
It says 2:46
